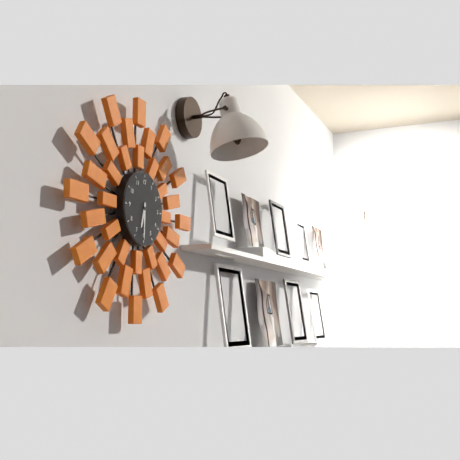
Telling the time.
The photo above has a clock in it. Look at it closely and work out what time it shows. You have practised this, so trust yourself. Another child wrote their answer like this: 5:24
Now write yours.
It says 6:30
